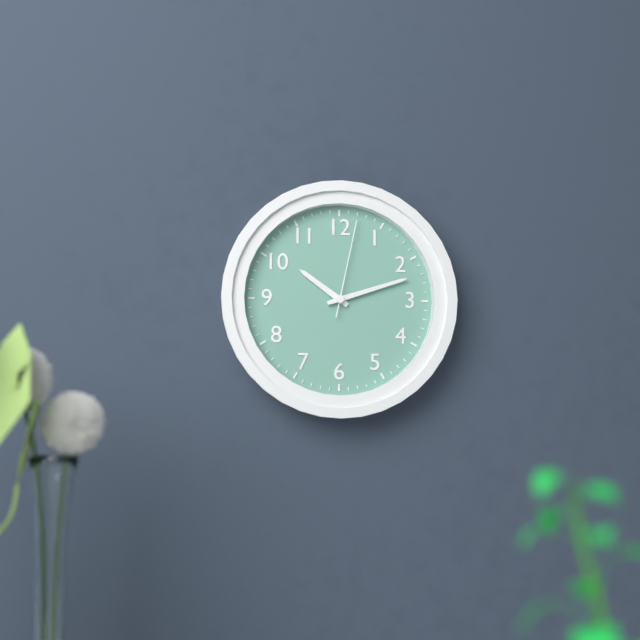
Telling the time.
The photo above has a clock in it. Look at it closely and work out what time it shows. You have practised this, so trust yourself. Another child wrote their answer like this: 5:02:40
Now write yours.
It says 10:12:02
